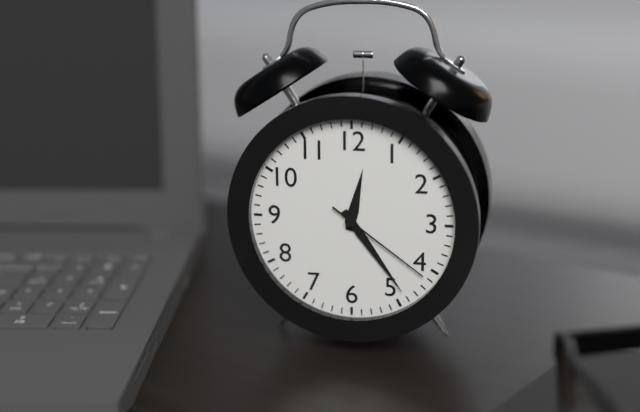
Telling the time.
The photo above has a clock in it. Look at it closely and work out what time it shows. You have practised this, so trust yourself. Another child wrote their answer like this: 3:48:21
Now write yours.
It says 12:24:21
